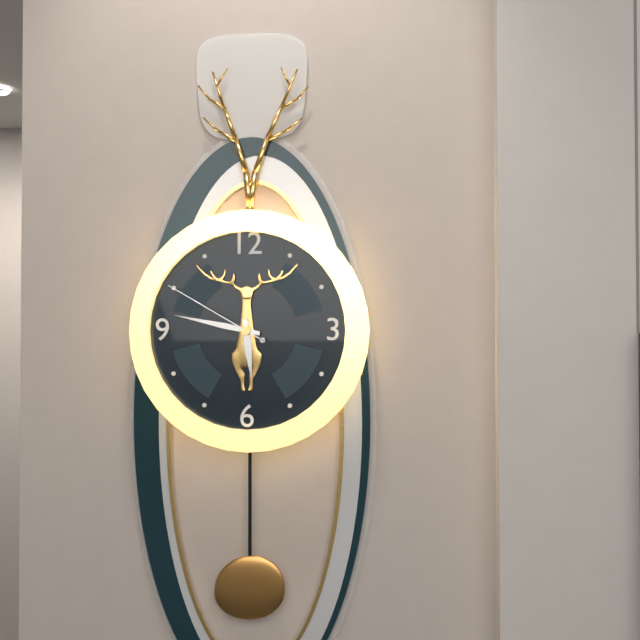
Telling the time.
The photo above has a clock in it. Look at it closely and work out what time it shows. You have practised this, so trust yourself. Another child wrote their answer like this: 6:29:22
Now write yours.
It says 5:47:50
